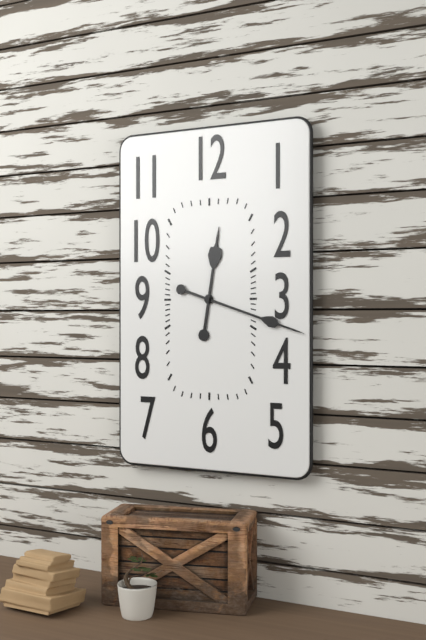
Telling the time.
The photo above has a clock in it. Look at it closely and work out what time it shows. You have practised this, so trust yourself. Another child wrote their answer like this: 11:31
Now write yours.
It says 12:18
